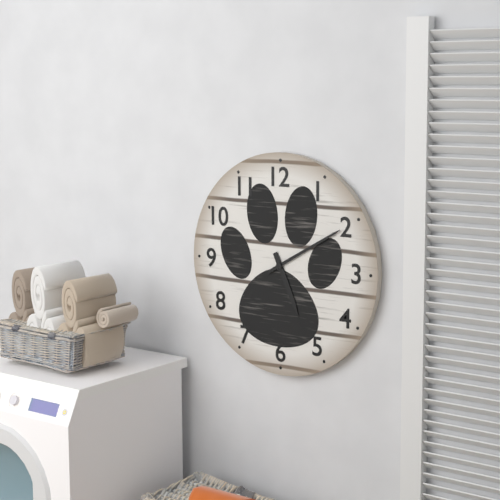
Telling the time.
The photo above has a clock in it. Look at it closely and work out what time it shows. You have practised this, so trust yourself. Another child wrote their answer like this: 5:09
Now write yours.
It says 5:10
